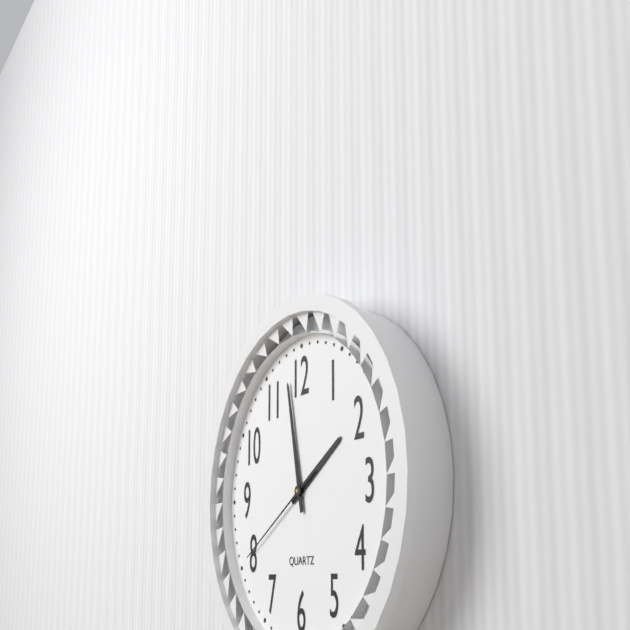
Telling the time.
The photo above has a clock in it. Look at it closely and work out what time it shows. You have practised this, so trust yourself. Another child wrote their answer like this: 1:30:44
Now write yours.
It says 1:58:40
